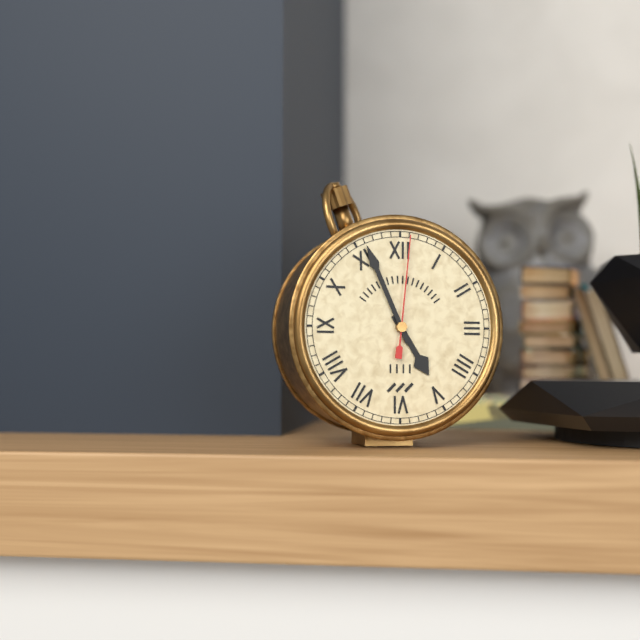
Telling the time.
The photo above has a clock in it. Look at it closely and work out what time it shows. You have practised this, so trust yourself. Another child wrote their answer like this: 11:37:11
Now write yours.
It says 4:56:01
